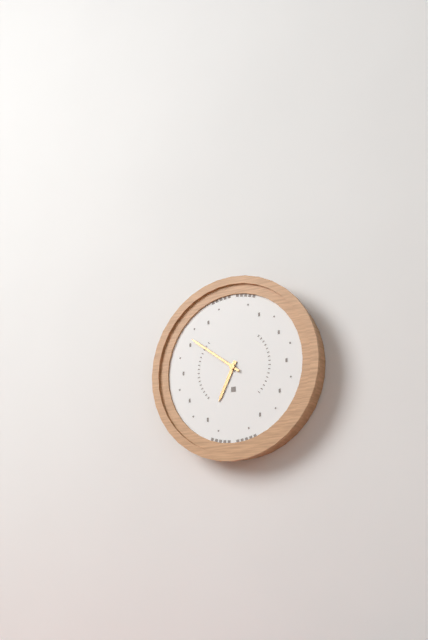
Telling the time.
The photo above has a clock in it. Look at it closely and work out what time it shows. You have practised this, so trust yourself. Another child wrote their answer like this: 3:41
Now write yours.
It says 6:51
